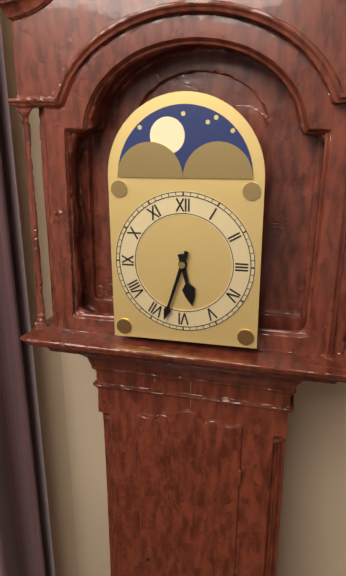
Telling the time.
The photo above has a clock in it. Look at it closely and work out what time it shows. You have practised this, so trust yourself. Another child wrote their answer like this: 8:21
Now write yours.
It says 5:33
